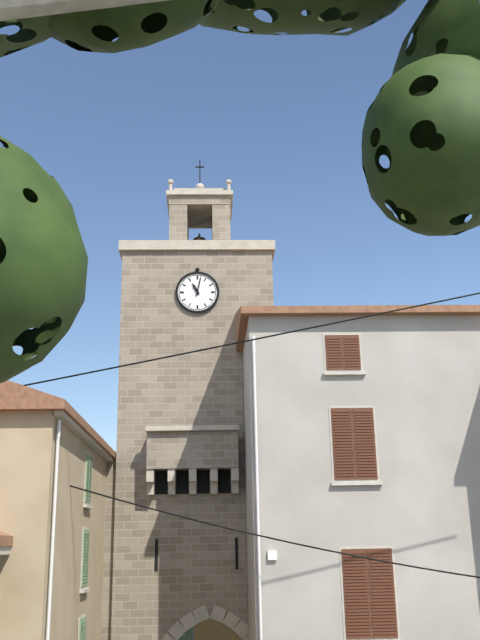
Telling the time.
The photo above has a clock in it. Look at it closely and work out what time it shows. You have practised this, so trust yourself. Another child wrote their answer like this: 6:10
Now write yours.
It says 11:02
